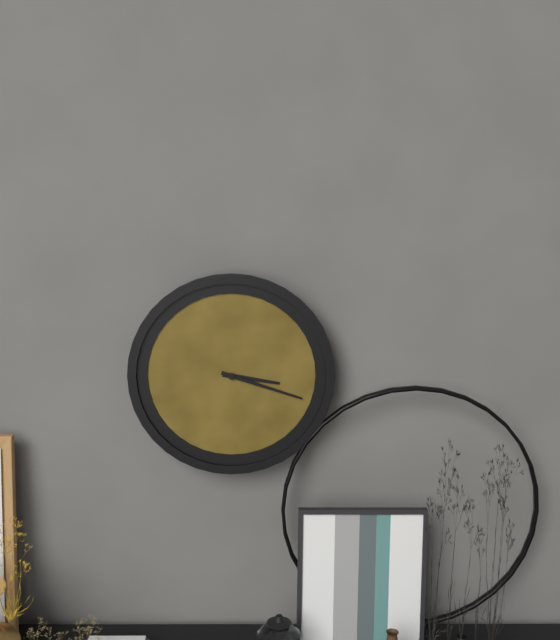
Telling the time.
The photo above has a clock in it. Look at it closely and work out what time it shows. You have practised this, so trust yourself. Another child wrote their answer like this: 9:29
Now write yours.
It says 3:18
